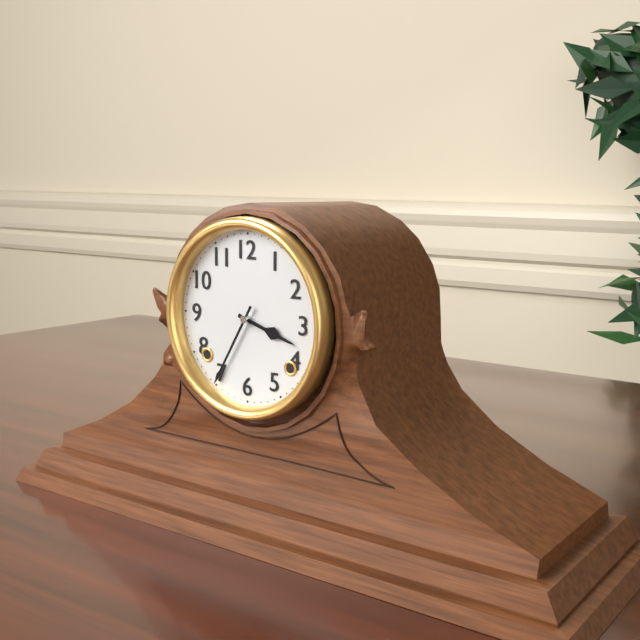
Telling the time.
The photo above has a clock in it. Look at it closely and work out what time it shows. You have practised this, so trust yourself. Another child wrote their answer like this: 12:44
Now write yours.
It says 3:35
